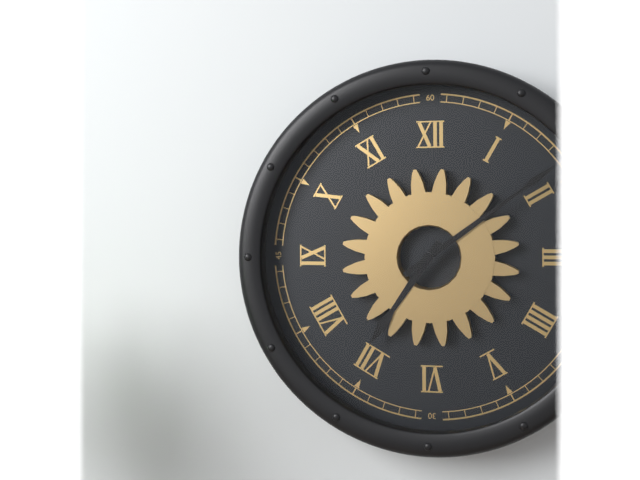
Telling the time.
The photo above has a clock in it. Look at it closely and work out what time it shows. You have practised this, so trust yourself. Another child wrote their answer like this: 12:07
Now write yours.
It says 7:09
